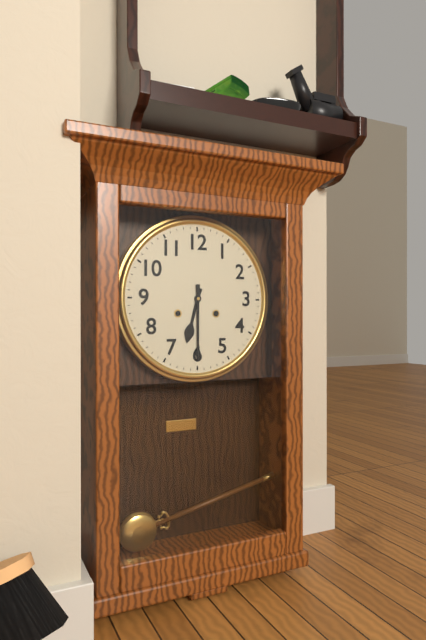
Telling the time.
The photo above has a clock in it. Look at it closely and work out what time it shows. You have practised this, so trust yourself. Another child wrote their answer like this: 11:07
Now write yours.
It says 6:30
